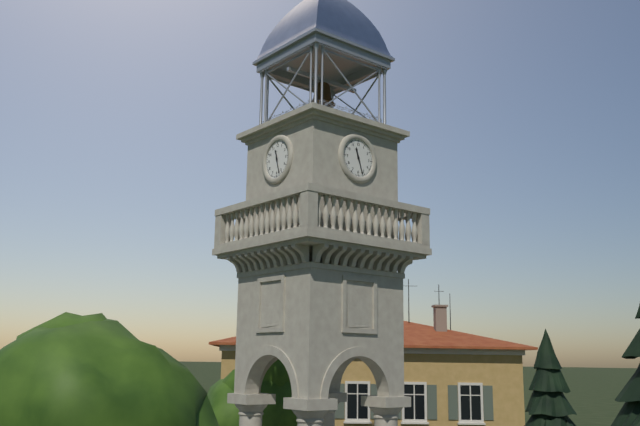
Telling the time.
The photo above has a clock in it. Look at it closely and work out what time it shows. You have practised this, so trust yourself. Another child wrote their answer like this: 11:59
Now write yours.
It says 11:27
